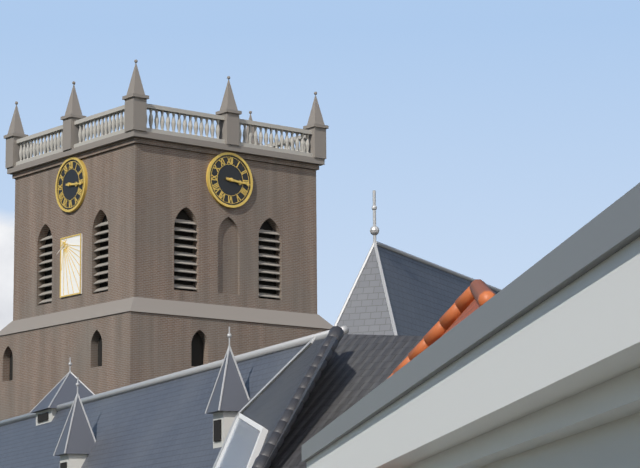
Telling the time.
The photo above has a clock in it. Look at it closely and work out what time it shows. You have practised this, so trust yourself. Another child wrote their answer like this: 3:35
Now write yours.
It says 3:16
